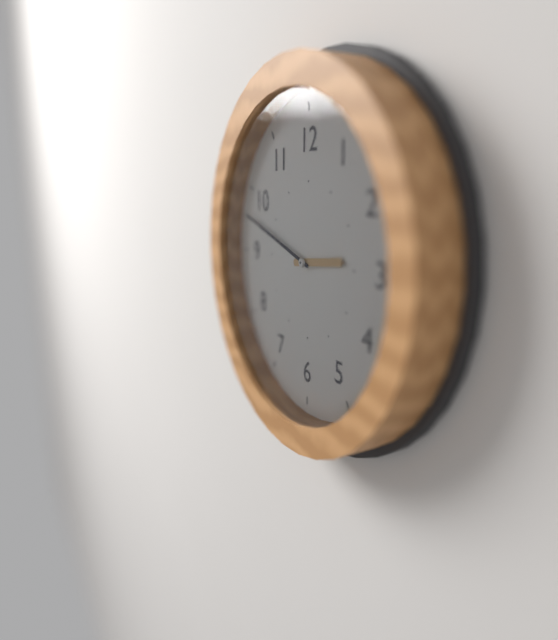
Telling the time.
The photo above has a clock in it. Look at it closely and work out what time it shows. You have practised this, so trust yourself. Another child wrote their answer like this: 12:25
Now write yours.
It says 2:48
